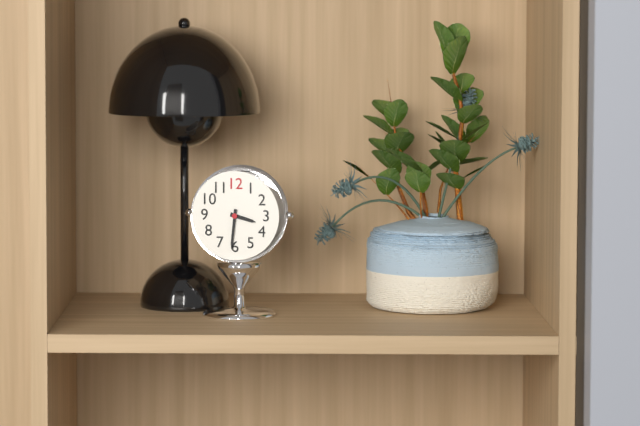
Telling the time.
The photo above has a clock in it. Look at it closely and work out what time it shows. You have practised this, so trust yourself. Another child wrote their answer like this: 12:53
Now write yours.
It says 3:31
